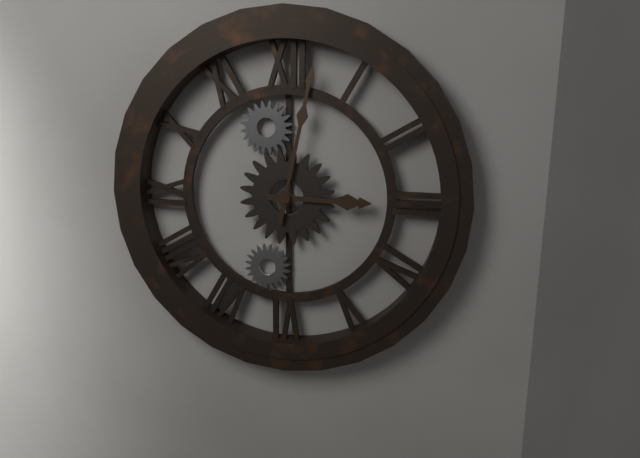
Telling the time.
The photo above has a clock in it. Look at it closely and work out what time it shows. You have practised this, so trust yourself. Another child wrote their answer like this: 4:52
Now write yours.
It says 3:02
